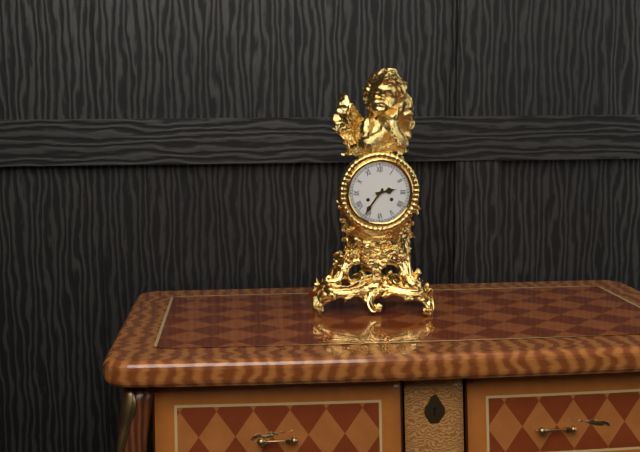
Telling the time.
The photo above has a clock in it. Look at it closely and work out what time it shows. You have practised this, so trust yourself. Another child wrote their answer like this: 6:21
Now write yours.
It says 2:36
